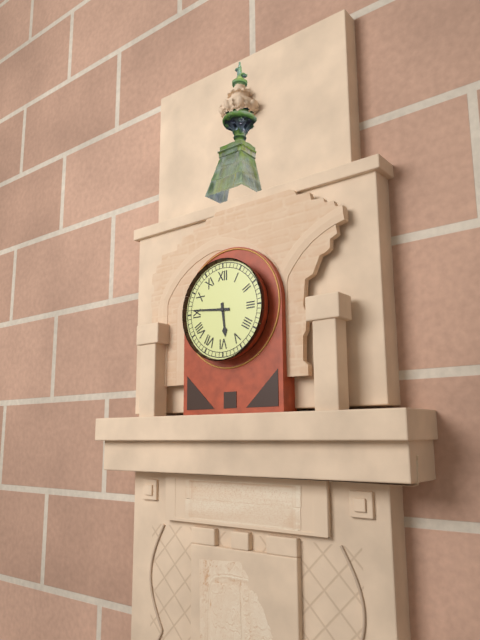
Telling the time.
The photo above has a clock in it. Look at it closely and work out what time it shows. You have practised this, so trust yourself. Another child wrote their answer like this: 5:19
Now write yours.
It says 5:46
